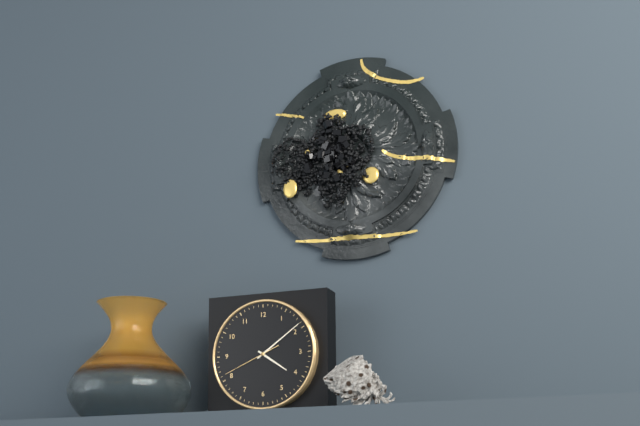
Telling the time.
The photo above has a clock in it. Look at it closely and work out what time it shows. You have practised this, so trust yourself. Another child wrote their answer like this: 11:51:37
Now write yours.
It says 4:09:41
